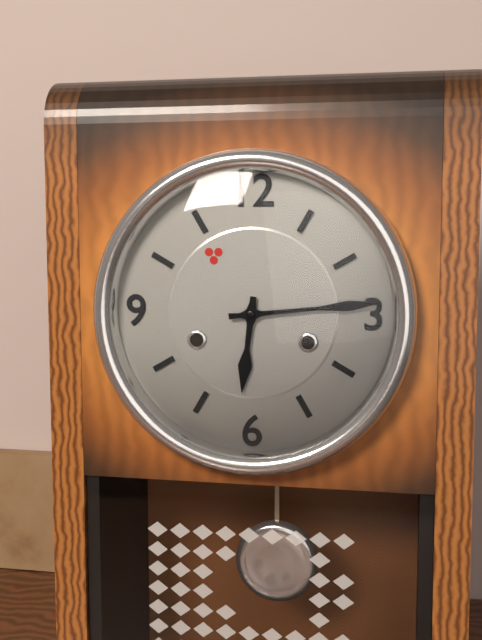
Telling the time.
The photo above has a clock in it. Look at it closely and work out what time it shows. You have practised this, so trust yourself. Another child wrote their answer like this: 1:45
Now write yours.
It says 6:14
